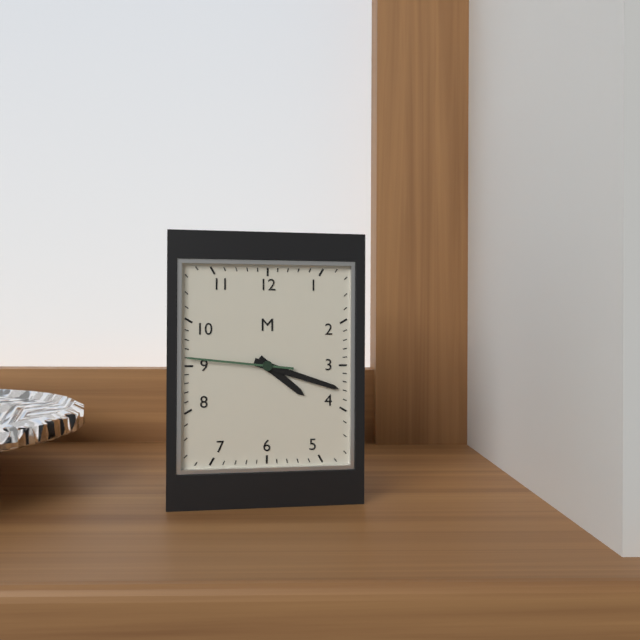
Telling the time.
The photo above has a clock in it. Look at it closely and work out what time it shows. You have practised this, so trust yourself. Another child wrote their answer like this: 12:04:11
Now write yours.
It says 4:18:46
